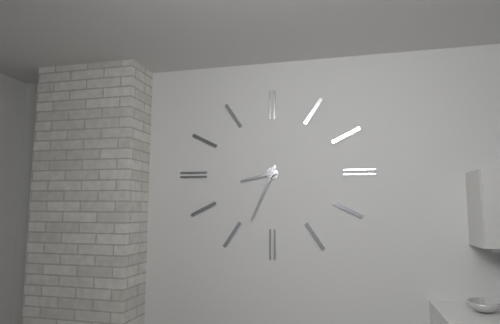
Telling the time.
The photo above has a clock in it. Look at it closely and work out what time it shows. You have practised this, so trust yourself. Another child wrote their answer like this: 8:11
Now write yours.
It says 8:34
